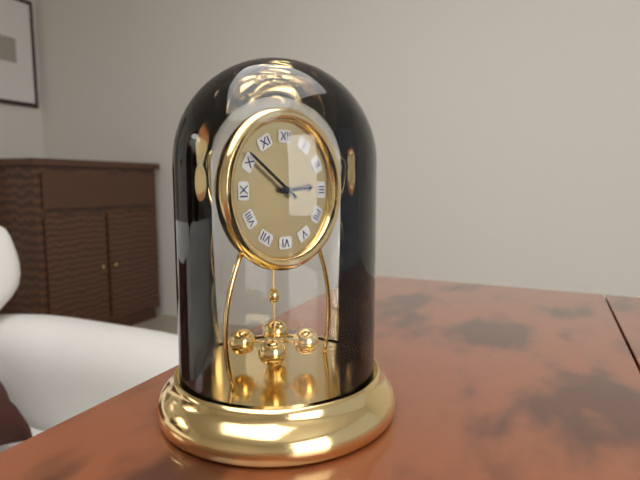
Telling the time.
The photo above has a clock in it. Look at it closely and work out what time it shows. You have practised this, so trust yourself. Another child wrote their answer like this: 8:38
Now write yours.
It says 2:51
